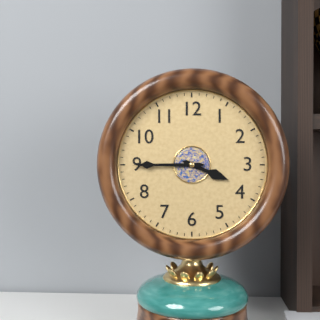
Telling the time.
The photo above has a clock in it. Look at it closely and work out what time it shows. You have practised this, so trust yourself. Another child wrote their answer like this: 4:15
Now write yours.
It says 3:45
